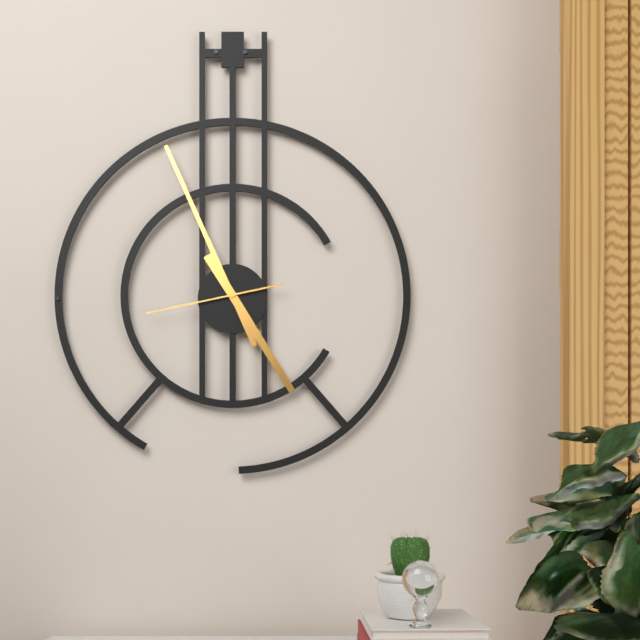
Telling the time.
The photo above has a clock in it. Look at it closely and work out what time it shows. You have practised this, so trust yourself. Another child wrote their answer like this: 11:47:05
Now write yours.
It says 4:56:43
